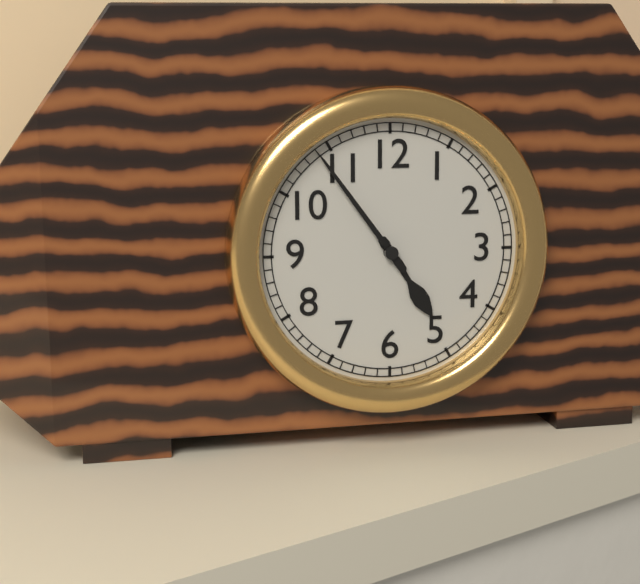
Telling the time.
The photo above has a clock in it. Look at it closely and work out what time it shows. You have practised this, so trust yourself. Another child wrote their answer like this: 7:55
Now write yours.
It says 4:54
